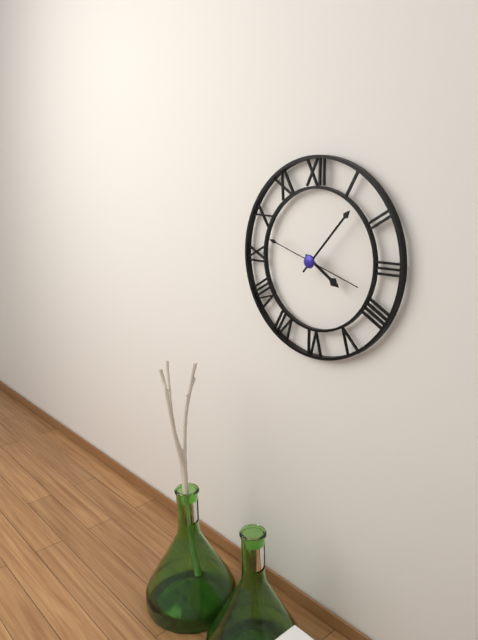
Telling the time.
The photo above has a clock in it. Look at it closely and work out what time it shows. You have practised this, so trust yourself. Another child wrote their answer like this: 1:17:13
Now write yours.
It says 4:07:18
